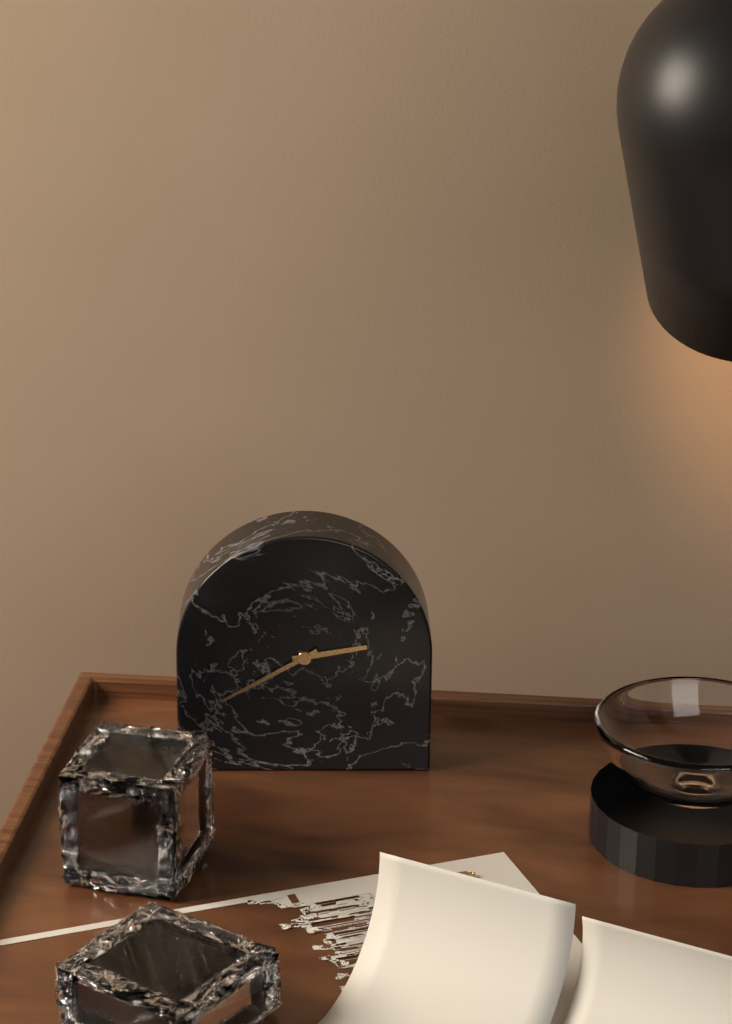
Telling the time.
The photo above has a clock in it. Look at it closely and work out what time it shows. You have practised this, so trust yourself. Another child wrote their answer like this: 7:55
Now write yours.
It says 2:40
